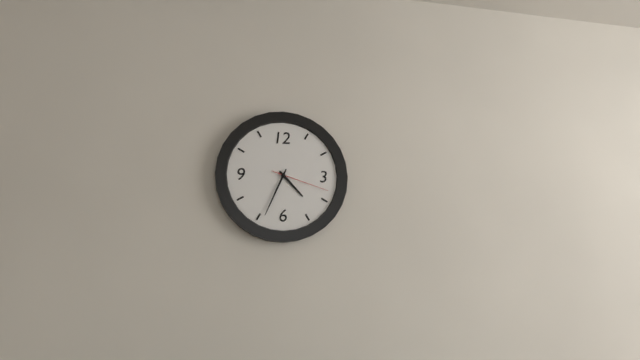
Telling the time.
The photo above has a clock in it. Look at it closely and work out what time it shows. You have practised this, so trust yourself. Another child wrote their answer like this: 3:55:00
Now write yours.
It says 4:34:18
